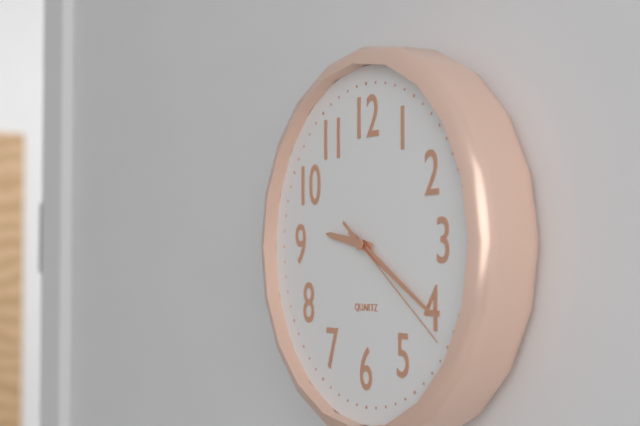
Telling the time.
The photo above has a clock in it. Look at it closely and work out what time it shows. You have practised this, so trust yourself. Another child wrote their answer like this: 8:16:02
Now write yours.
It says 9:20:21
